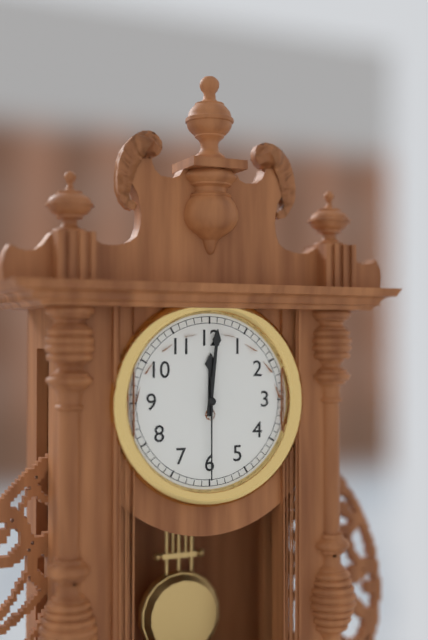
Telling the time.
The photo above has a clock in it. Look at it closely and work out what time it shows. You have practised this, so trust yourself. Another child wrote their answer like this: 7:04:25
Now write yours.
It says 12:01:30
